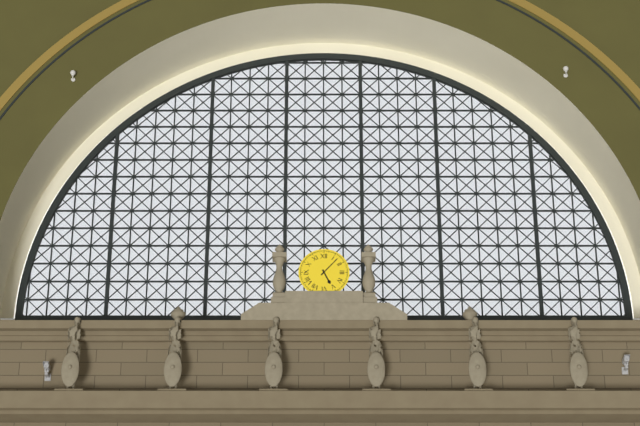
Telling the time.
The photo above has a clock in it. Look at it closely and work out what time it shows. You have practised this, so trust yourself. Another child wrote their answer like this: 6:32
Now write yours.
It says 5:07
